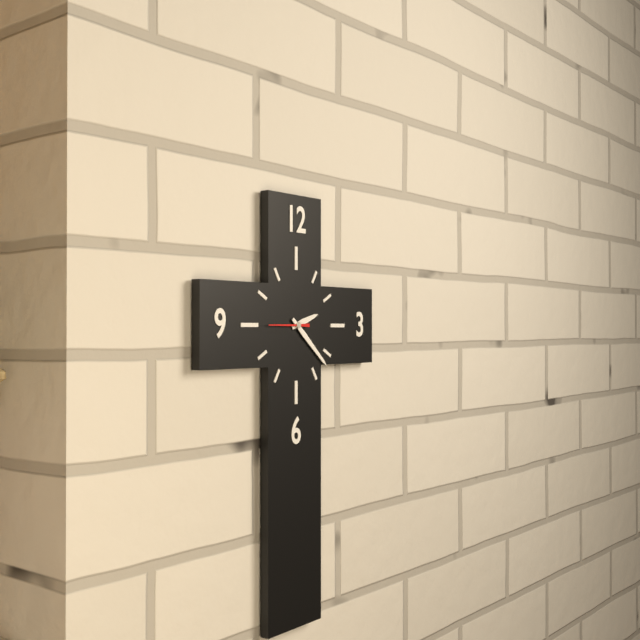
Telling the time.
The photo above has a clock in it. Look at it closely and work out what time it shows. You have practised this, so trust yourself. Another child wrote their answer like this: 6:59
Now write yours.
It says 2:22
